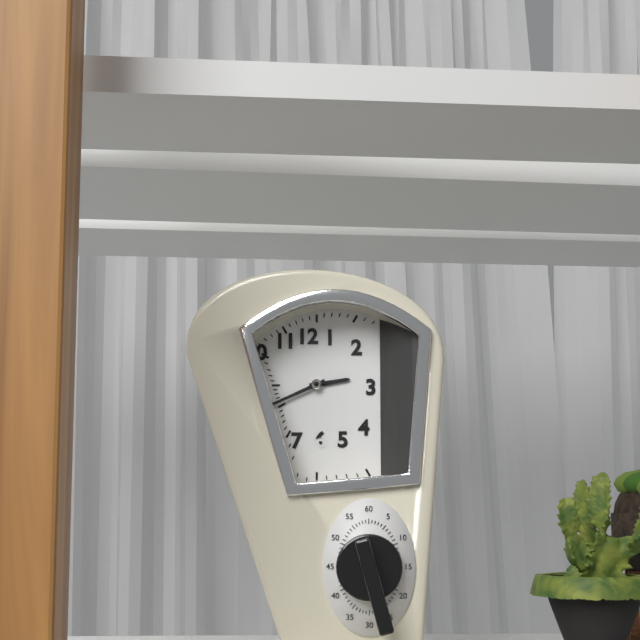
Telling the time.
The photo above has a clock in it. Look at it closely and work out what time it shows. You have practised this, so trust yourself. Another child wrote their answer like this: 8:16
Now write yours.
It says 2:41
